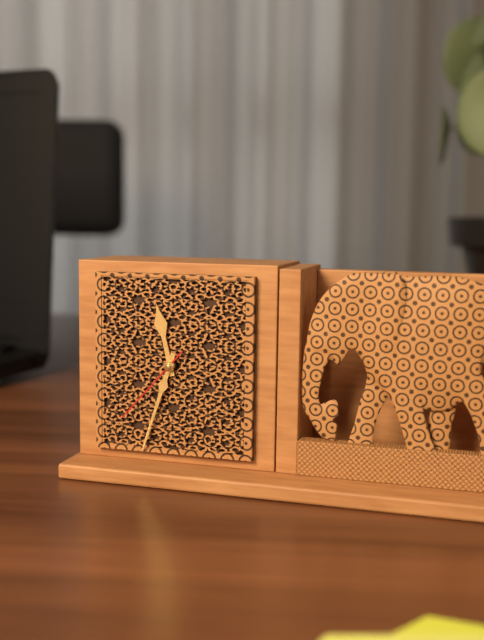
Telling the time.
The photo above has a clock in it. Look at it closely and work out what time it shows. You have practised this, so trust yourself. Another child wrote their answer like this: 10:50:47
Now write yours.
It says 11:33:37
